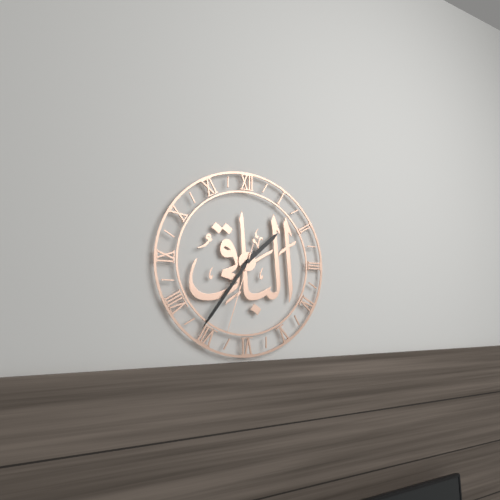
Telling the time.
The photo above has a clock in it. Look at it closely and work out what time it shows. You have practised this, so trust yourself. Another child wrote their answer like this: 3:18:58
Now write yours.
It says 1:36:33
